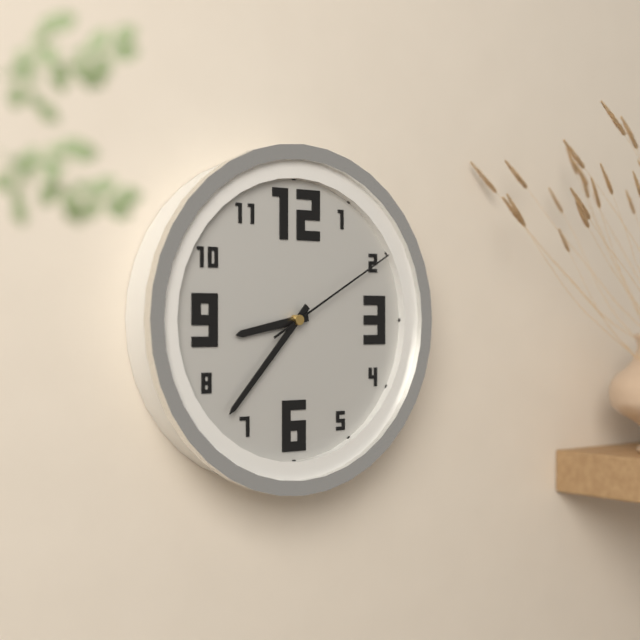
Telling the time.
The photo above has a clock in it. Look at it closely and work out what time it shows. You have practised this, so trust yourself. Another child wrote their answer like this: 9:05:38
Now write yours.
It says 8:37:10
